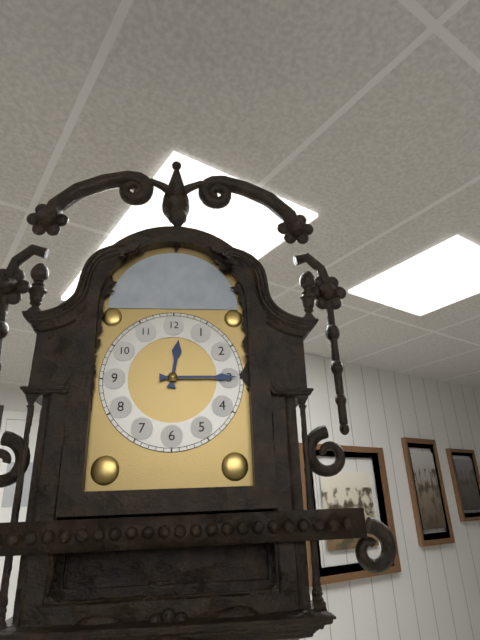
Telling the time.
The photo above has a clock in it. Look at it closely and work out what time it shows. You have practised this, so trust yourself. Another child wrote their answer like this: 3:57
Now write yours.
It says 12:15
